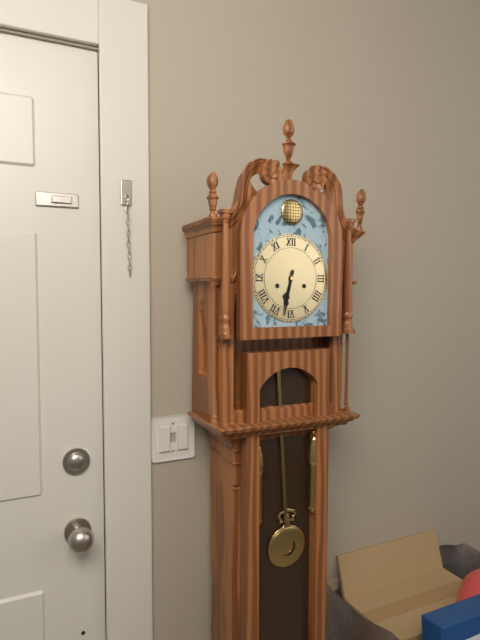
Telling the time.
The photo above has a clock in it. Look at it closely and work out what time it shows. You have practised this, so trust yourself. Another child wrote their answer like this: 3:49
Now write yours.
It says 6:32
